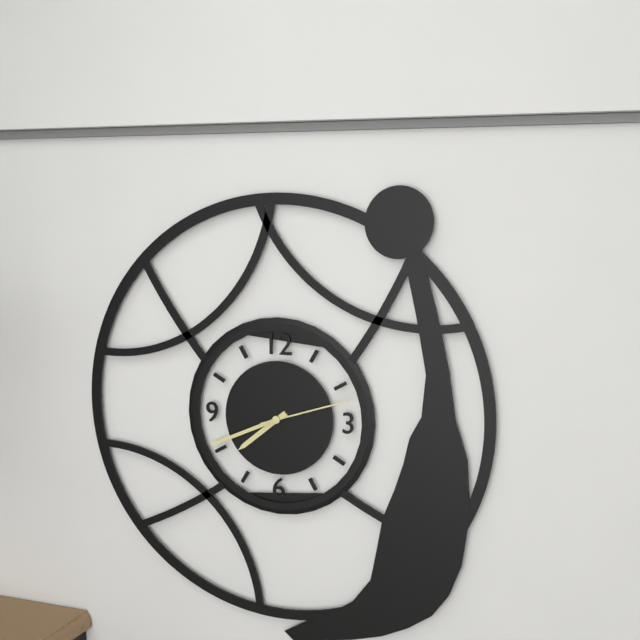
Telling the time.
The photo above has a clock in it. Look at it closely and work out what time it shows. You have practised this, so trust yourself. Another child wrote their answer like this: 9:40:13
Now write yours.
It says 7:41:12
